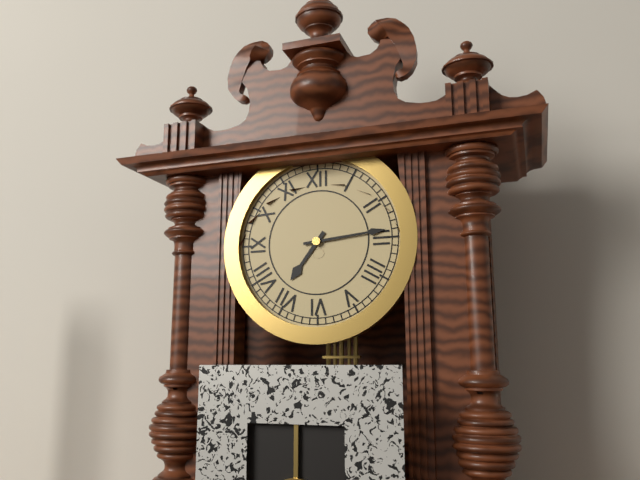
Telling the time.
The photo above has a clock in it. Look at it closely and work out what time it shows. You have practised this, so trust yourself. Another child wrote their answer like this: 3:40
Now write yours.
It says 7:14
